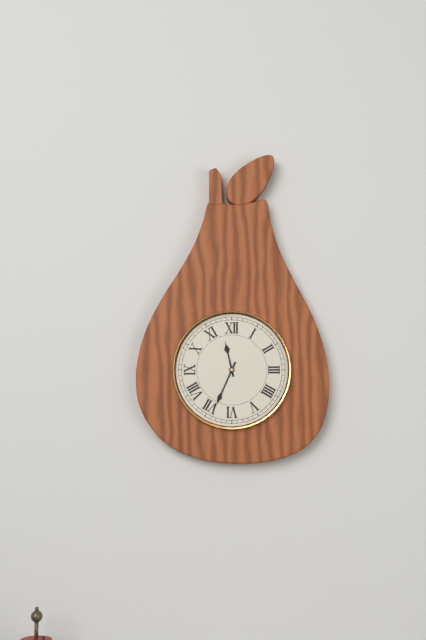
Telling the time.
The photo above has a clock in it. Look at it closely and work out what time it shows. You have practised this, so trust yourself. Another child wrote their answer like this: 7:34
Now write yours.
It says 11:34
